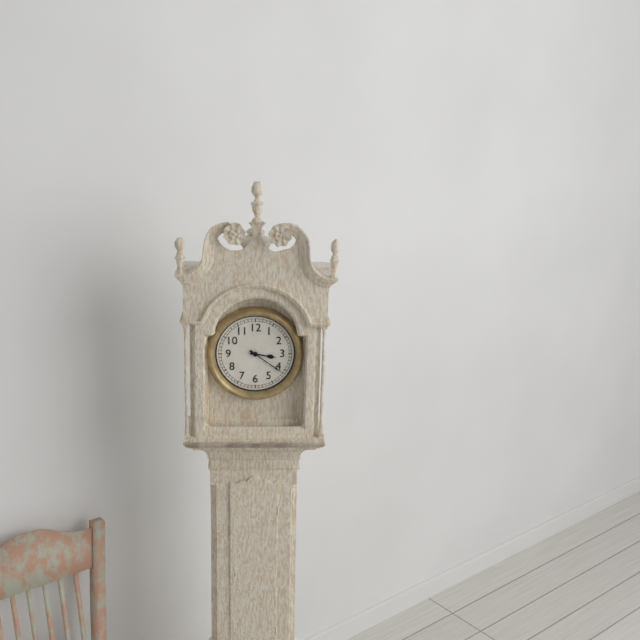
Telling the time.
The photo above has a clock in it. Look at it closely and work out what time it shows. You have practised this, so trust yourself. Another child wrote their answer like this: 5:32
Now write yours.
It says 3:21
